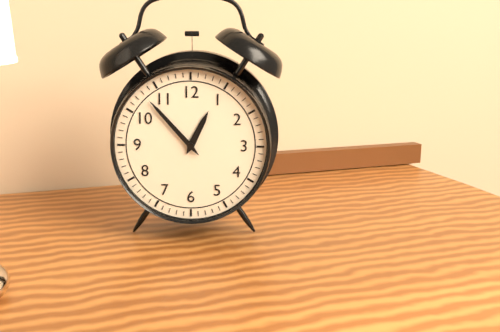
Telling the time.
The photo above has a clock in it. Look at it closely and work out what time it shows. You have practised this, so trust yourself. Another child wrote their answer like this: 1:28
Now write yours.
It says 12:53
